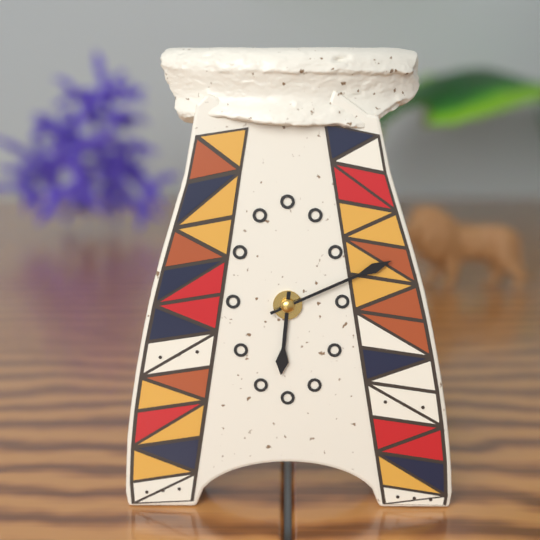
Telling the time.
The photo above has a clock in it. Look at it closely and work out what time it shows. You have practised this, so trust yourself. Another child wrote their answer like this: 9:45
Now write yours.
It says 6:11
